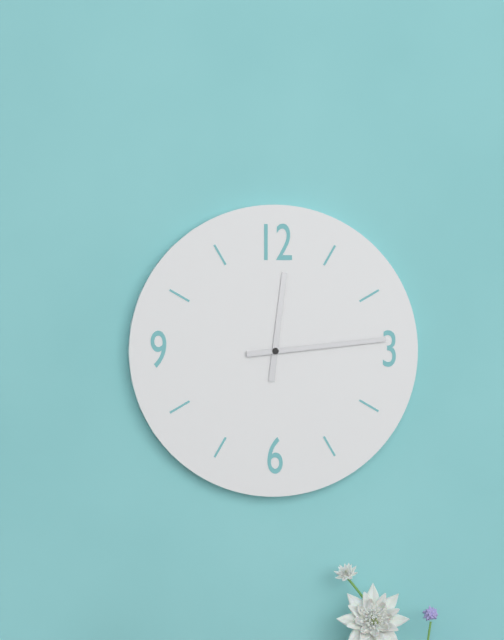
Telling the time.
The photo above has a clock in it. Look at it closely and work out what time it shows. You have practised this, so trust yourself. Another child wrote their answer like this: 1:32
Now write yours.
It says 12:14
